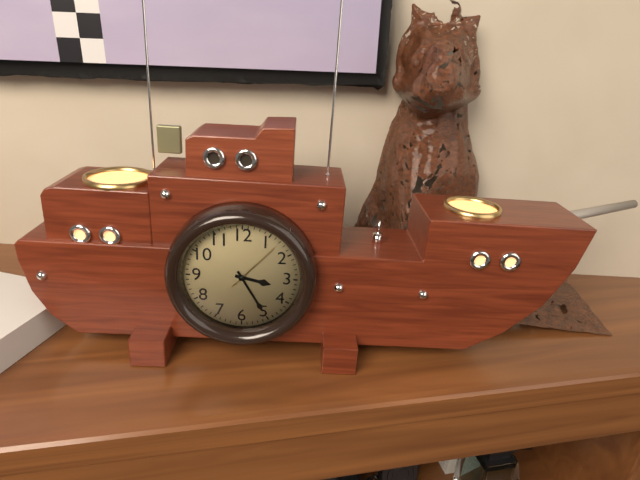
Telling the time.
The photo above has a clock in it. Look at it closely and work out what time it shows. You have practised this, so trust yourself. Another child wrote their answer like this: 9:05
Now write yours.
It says 3:25
